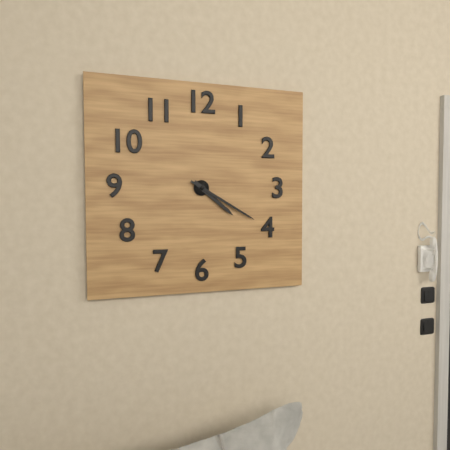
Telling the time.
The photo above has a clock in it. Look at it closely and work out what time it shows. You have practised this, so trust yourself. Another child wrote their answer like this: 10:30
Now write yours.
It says 4:20
